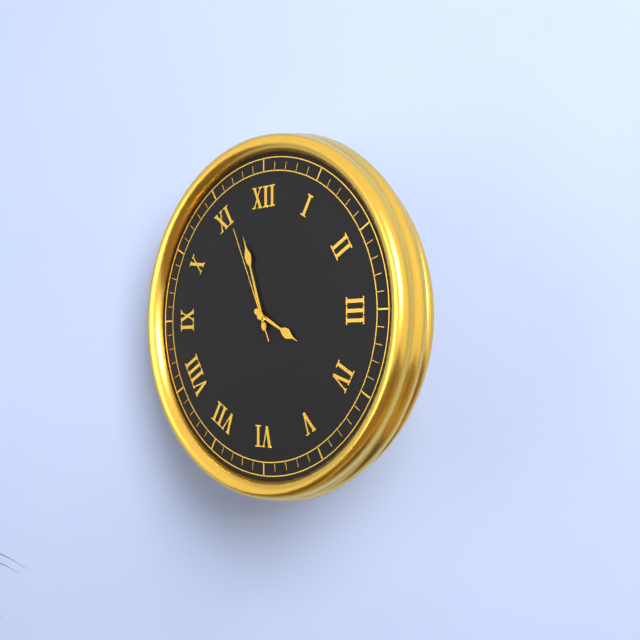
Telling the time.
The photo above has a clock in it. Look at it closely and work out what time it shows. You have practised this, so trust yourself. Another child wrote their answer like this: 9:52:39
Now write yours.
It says 3:57:56
